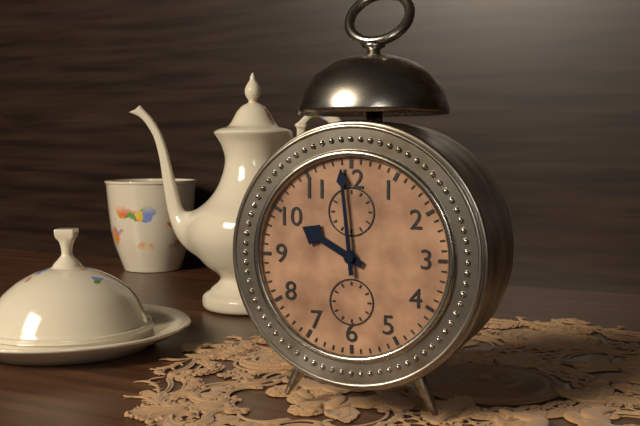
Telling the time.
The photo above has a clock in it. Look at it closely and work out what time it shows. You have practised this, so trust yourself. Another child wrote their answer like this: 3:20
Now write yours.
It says 9:59
